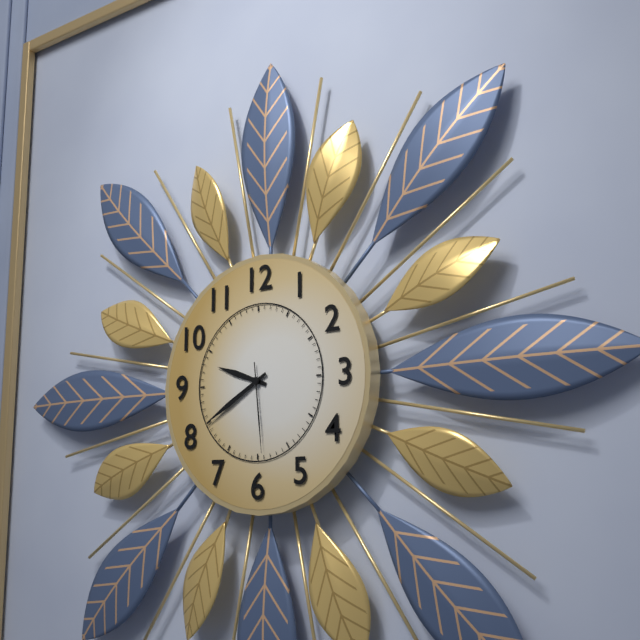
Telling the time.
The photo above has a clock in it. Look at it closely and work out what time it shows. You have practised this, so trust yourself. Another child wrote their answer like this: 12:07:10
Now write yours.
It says 9:40:29
